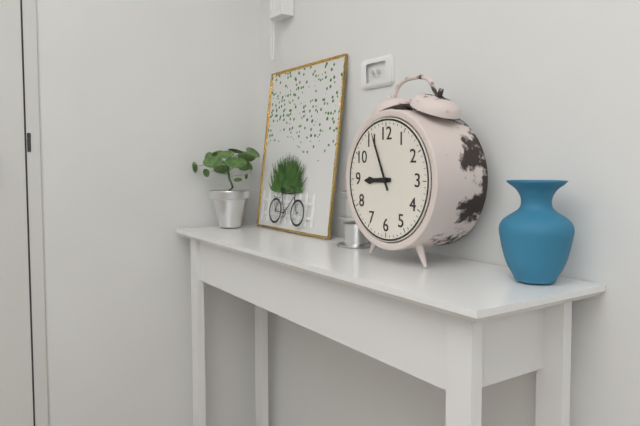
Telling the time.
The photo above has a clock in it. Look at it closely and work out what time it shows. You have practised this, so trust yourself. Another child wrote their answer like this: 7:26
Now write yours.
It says 8:56
